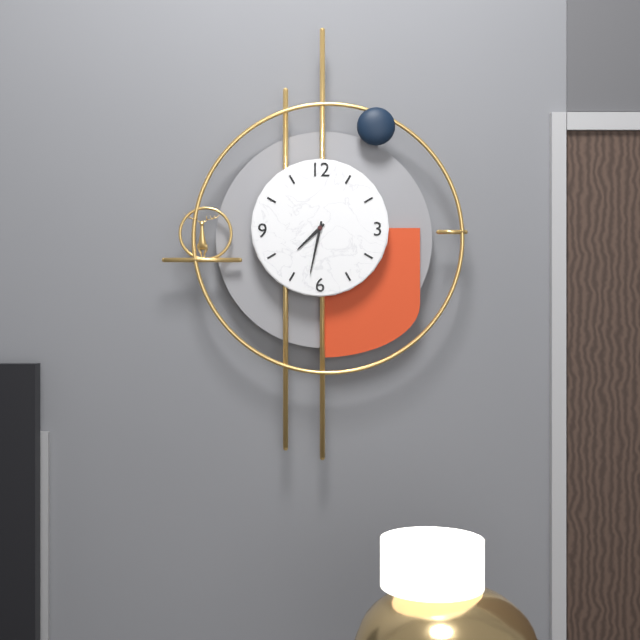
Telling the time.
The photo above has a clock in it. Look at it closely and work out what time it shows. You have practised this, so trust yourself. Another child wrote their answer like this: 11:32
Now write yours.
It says 7:32
